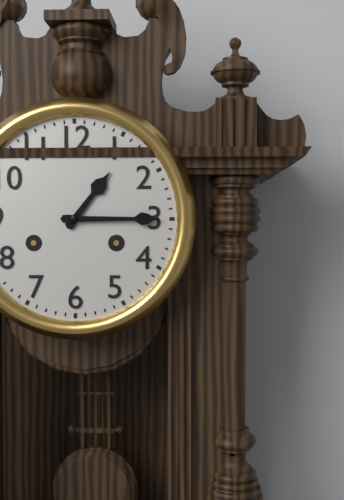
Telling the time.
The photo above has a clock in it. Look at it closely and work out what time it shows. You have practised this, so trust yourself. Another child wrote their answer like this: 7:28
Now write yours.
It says 1:15
